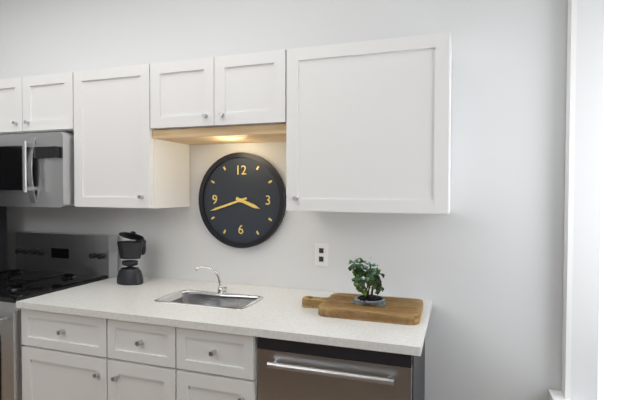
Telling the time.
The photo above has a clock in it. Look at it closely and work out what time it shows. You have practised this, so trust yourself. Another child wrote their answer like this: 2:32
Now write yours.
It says 3:42
